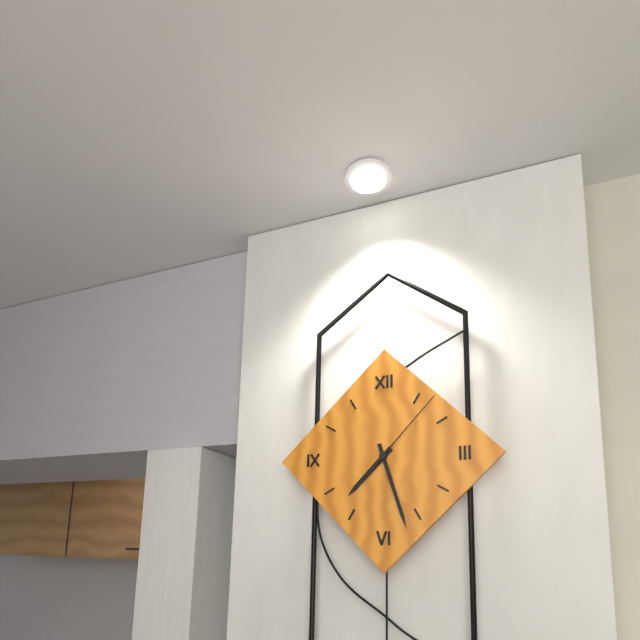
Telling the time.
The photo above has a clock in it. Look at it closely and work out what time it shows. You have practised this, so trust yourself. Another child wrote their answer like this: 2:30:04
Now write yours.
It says 7:27:07
